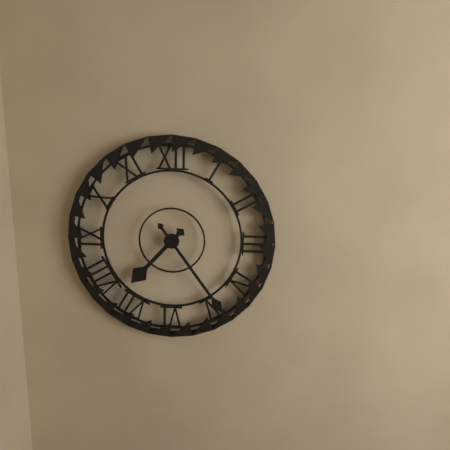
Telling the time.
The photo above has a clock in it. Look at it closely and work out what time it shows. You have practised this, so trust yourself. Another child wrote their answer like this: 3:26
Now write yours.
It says 7:24
